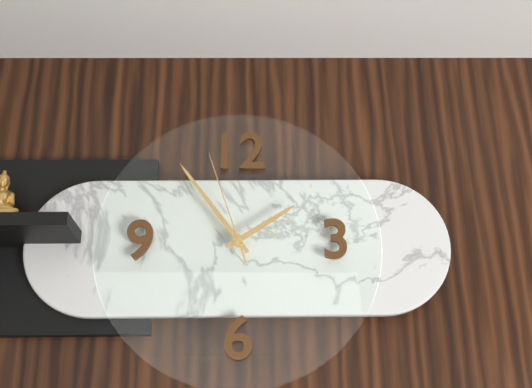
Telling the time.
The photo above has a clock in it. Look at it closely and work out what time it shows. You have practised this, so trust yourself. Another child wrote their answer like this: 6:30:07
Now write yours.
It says 1:54:57
